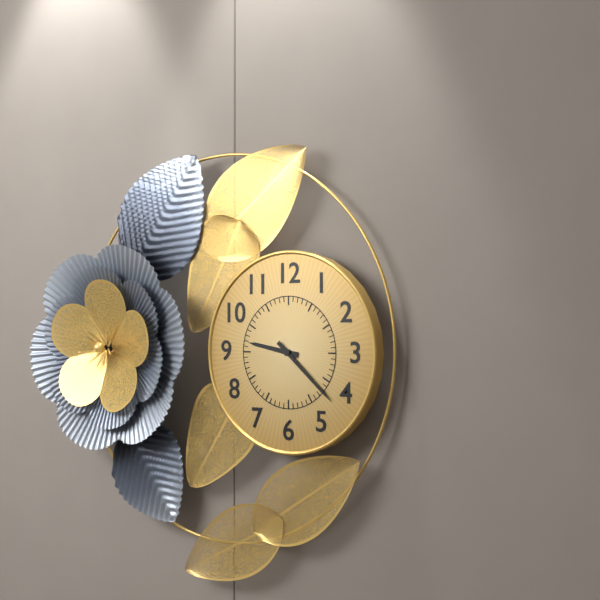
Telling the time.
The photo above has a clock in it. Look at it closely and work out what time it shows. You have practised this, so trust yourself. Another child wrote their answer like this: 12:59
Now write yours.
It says 9:22
